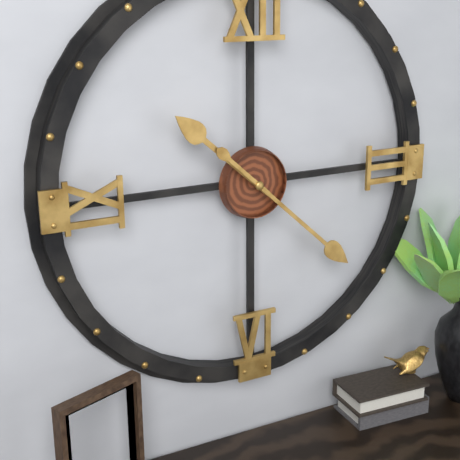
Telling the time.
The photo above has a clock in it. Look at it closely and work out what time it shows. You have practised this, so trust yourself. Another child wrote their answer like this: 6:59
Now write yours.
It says 10:22
